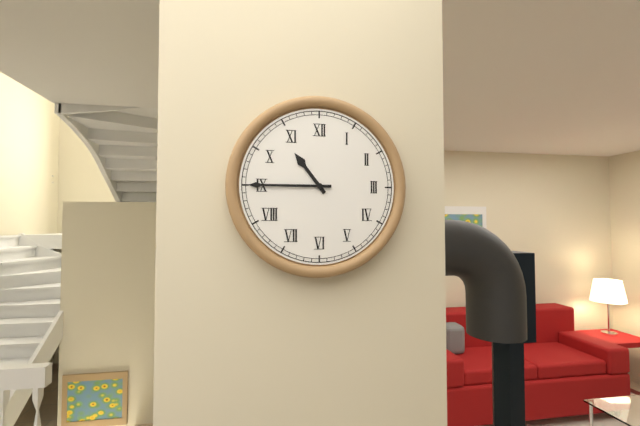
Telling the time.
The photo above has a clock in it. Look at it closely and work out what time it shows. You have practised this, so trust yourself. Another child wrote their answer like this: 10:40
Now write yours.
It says 10:45
